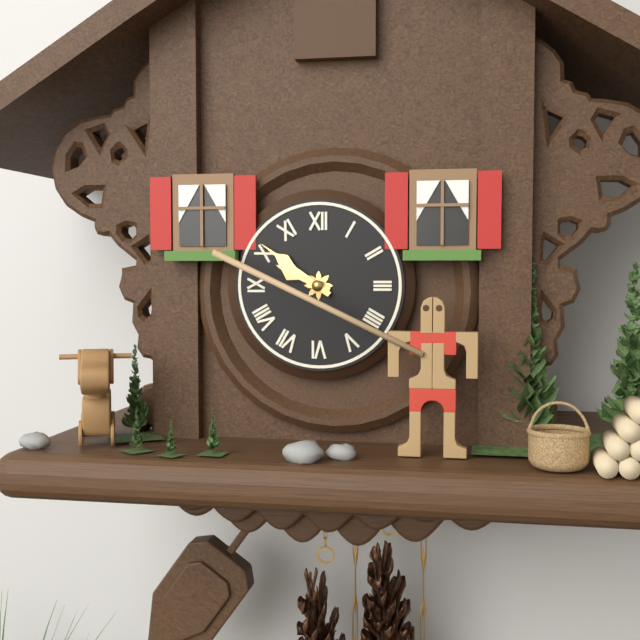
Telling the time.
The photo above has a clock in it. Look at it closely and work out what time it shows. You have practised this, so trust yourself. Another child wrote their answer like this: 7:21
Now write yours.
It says 9:51
